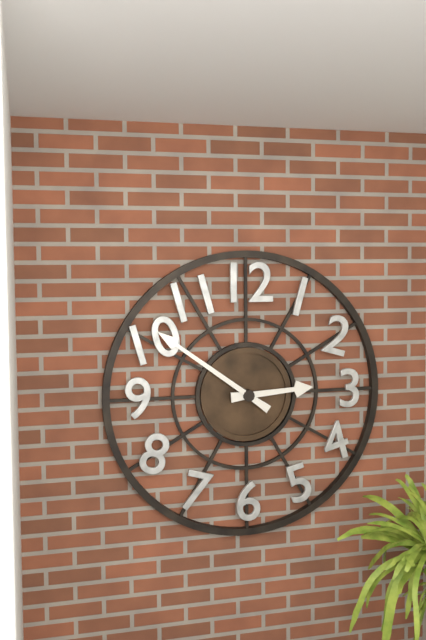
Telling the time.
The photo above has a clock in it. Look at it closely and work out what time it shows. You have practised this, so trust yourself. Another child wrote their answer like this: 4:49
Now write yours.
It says 2:51
